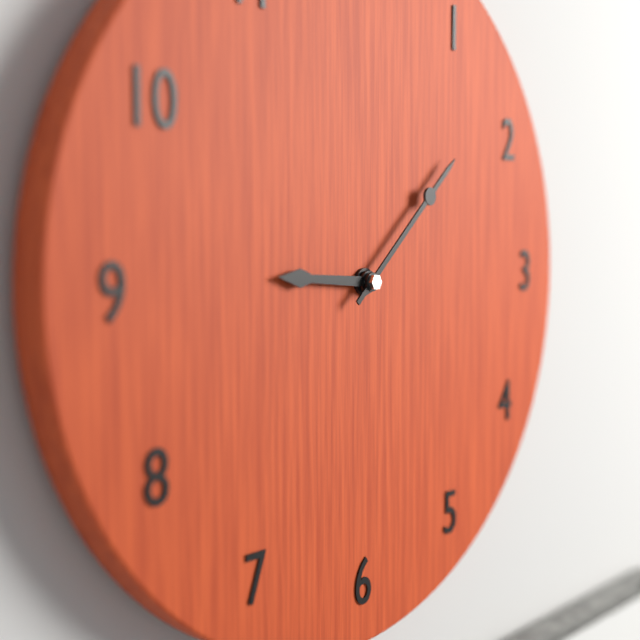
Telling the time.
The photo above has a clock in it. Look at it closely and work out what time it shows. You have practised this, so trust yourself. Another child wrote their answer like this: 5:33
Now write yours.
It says 9:08
